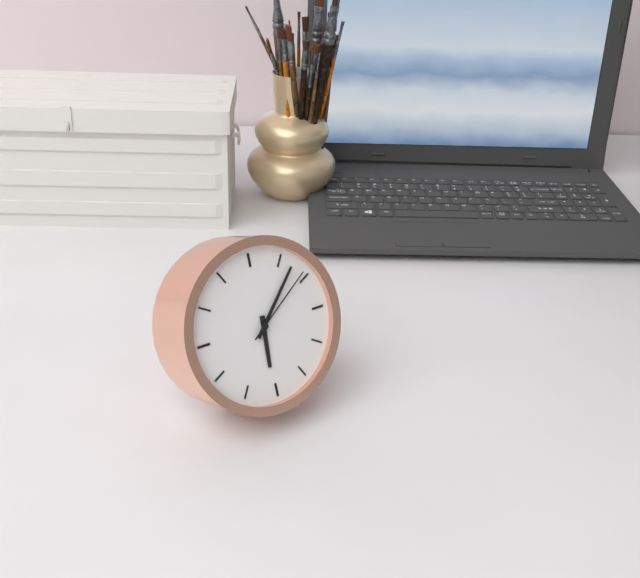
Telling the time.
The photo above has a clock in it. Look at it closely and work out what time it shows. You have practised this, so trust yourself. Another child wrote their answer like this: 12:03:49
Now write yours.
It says 6:07:09
